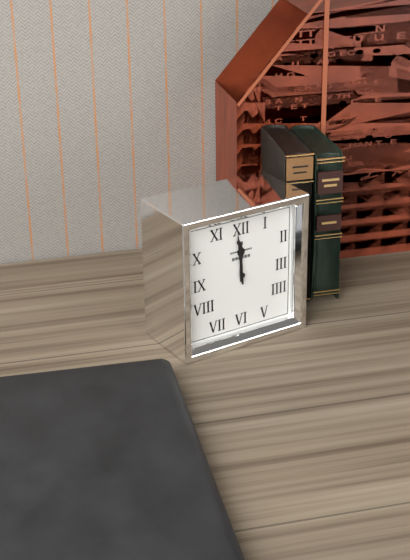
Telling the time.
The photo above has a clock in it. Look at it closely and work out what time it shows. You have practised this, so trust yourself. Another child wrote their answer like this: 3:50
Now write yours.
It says 11:59
